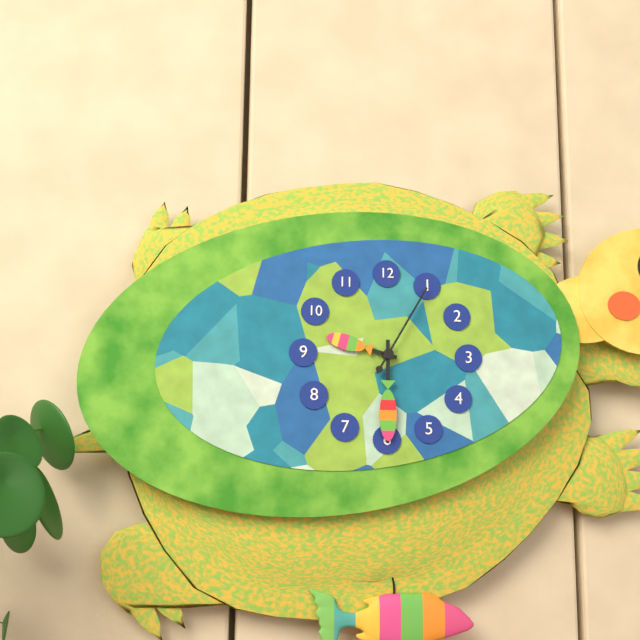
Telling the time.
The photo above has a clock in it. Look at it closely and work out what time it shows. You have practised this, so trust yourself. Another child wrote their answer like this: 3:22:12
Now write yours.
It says 9:30:05
